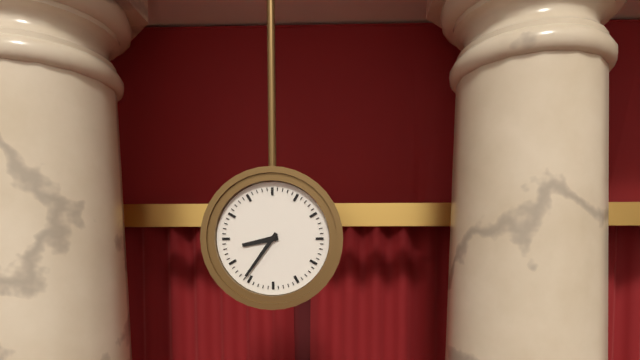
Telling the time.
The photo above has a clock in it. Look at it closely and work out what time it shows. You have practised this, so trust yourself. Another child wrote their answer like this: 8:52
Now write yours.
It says 8:36
